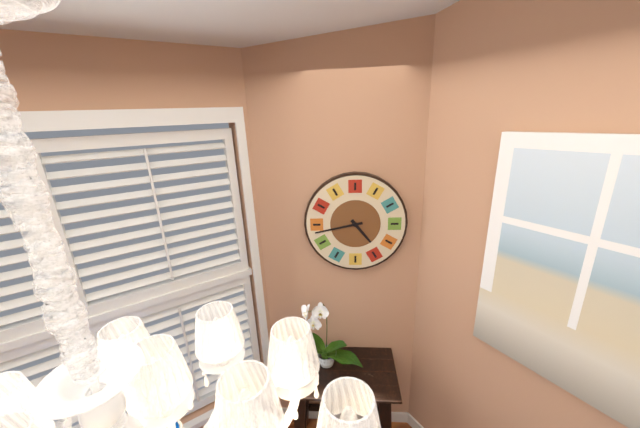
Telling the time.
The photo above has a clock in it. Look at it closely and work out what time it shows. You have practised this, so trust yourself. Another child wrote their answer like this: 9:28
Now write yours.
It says 4:43
